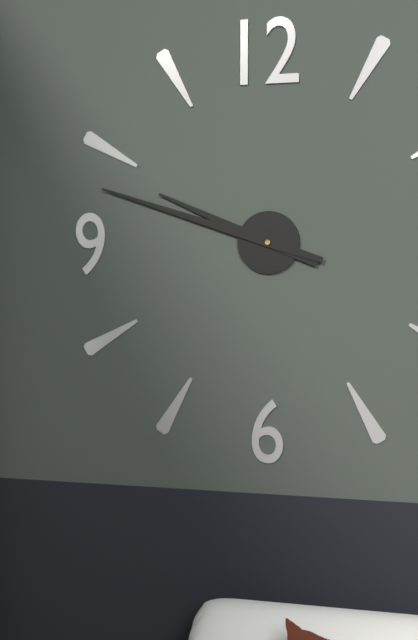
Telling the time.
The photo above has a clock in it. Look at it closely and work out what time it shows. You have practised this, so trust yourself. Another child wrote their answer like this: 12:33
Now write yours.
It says 9:48
